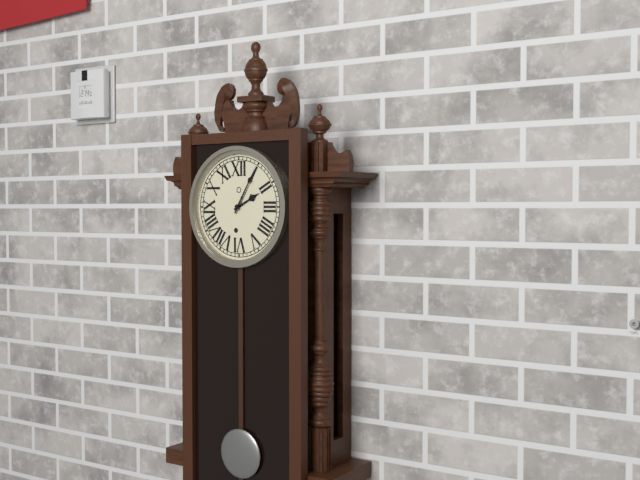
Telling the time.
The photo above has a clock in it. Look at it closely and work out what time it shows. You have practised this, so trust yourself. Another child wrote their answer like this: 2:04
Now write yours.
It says 2:05
